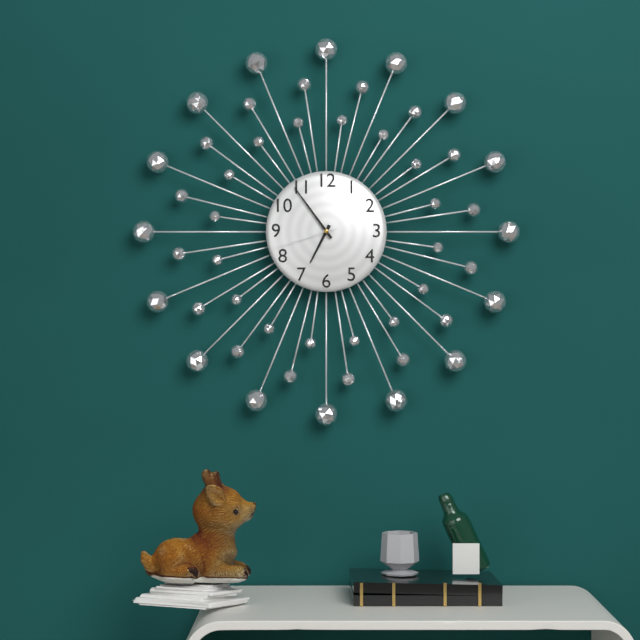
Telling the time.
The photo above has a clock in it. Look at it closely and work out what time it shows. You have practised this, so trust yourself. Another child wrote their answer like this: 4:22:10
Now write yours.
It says 6:54:42
